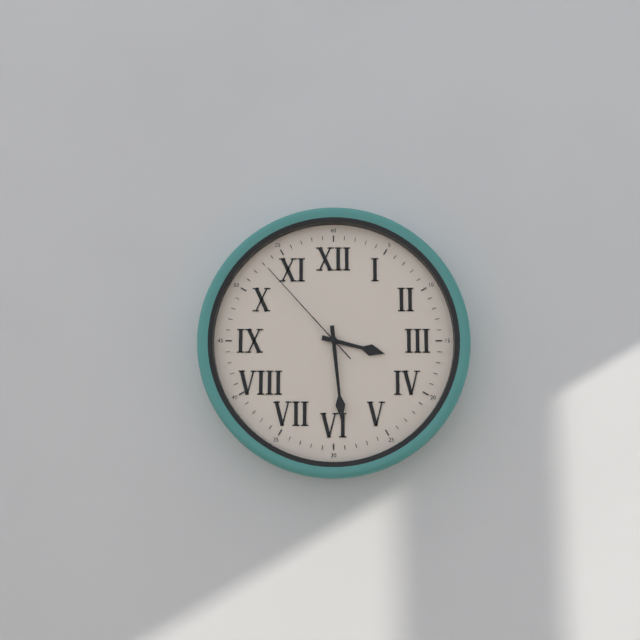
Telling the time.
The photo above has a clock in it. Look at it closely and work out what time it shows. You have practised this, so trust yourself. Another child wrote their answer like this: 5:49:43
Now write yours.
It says 3:29:53
